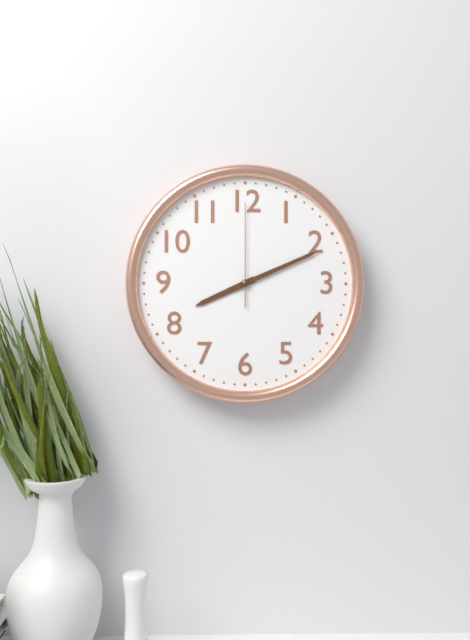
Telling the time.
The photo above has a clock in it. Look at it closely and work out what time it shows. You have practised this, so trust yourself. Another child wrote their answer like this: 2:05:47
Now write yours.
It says 8:11:00
